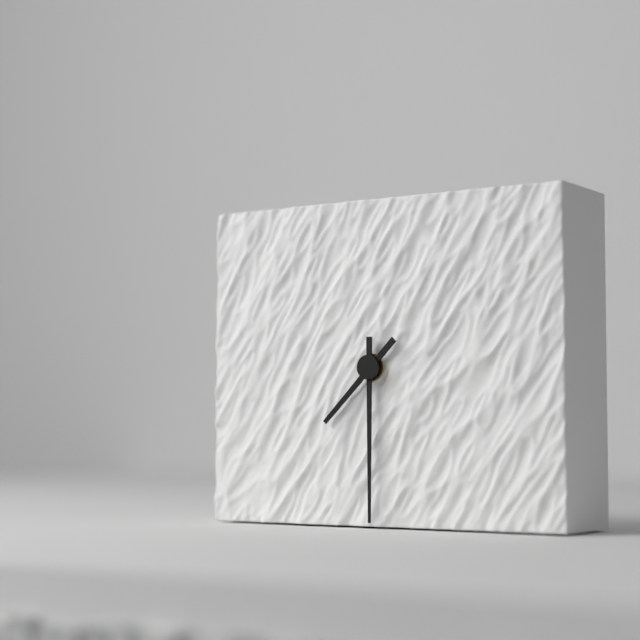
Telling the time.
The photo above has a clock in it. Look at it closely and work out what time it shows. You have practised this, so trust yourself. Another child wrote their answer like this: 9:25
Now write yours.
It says 7:30
